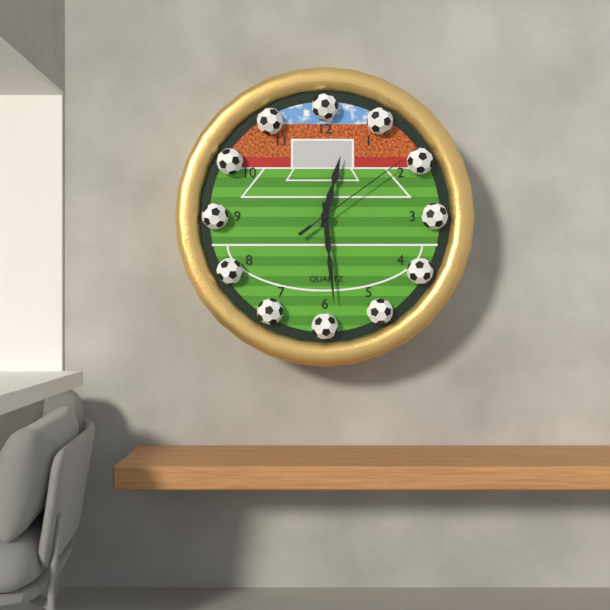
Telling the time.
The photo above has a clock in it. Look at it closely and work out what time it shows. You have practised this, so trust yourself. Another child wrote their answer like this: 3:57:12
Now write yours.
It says 12:29:09
